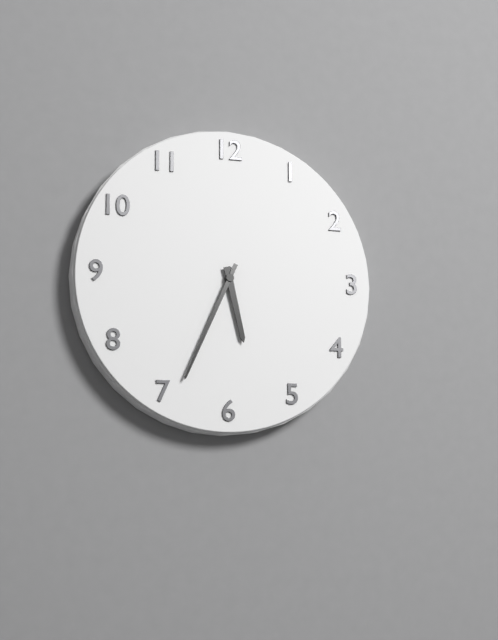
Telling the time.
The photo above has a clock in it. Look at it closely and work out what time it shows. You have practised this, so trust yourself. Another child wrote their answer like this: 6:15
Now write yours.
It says 5:34
